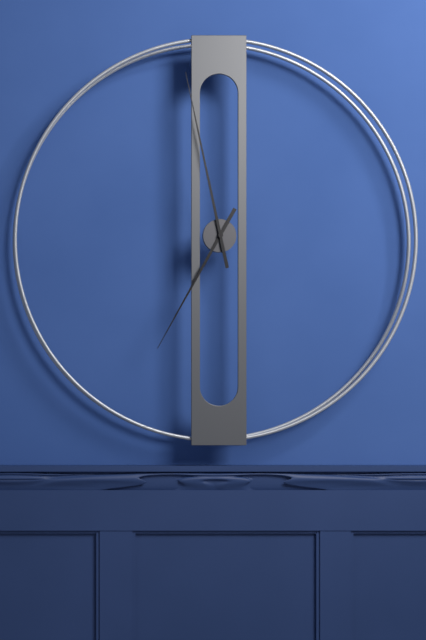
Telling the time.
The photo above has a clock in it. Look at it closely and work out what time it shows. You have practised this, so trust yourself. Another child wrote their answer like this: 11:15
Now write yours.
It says 6:58
